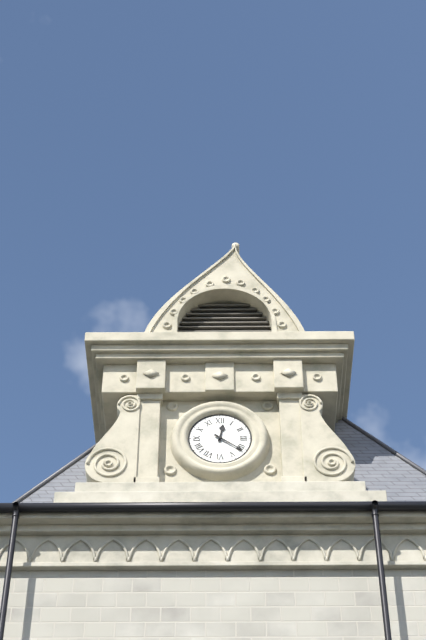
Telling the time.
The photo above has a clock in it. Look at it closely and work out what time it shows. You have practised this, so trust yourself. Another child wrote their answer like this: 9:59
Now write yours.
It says 12:21
